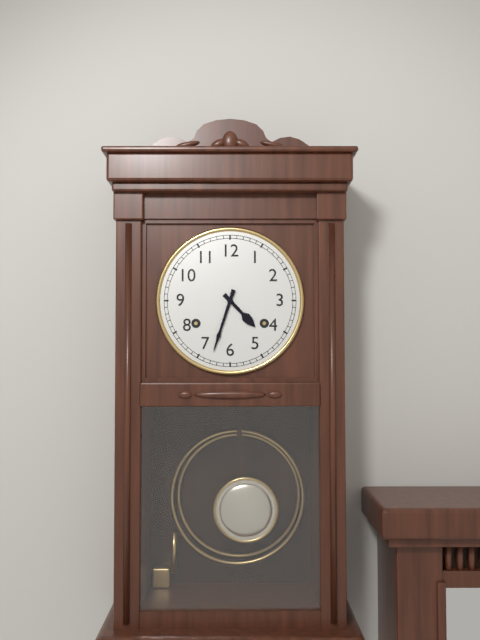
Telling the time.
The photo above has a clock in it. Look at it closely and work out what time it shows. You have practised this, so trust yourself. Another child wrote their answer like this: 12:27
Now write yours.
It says 4:33
